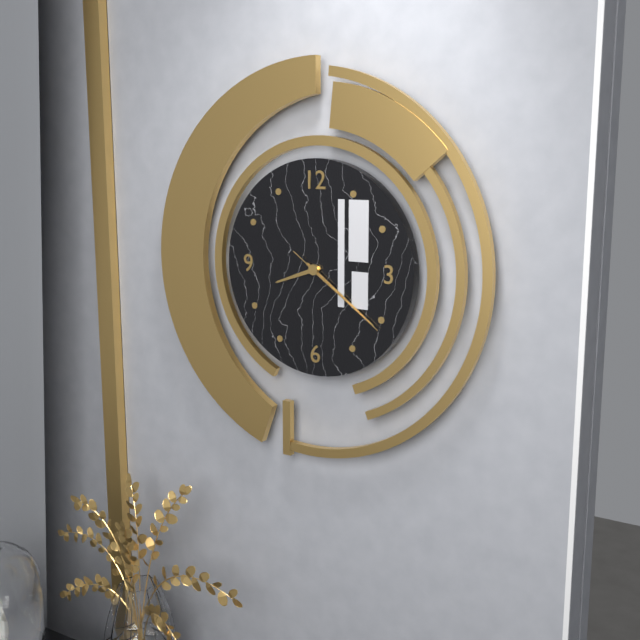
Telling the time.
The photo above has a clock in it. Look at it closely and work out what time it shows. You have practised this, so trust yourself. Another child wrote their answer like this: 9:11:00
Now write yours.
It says 8:21:21
